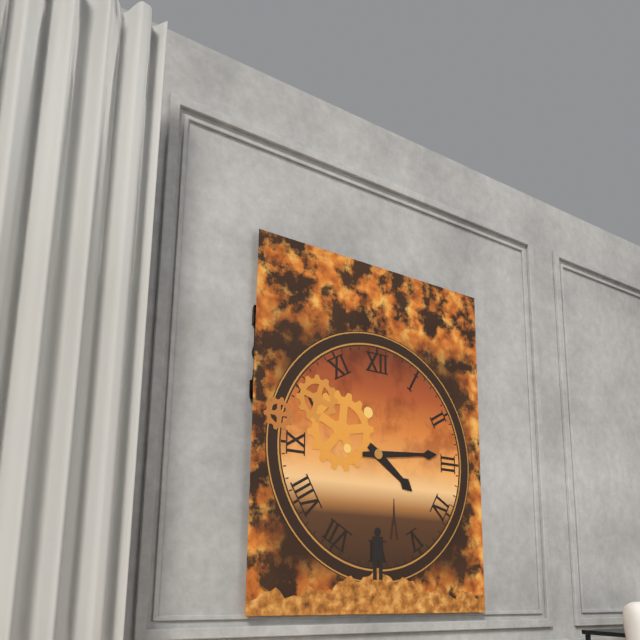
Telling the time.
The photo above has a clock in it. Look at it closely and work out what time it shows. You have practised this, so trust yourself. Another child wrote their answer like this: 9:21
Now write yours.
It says 4:14
